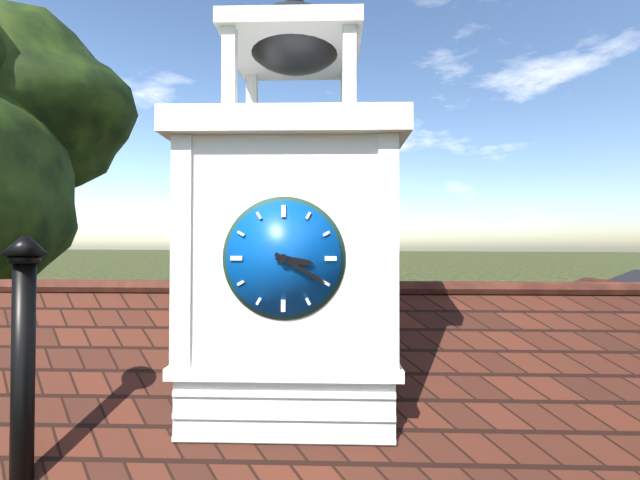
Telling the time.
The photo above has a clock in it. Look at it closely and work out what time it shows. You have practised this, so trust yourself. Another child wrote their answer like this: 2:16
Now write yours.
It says 3:20
